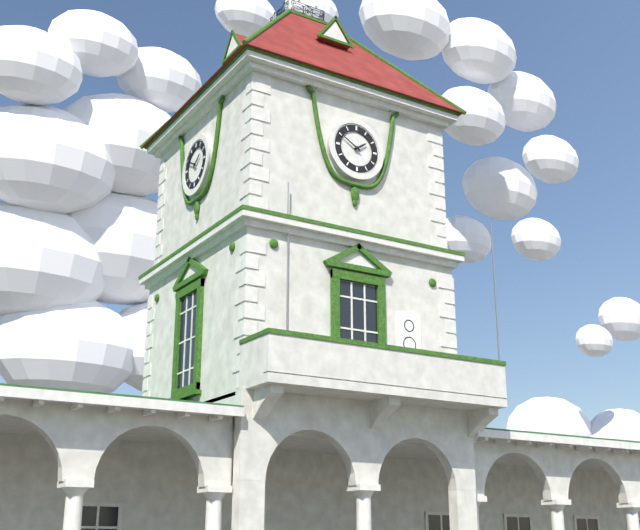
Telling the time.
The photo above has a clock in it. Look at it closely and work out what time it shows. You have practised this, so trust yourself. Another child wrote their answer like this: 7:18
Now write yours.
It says 1:50
